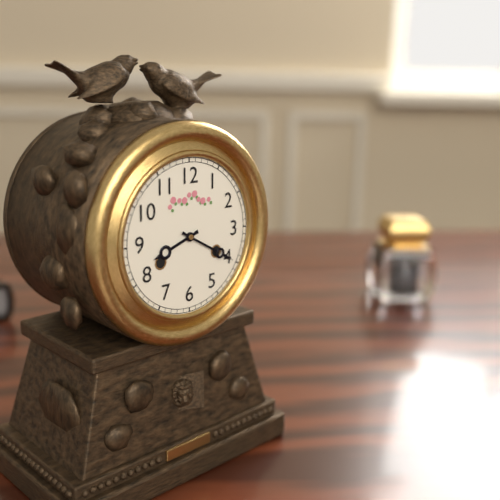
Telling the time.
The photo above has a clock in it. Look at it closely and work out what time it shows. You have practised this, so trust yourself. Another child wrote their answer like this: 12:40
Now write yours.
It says 8:20
